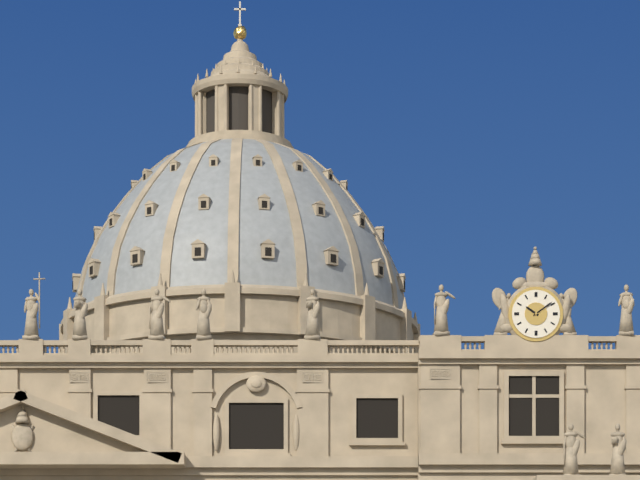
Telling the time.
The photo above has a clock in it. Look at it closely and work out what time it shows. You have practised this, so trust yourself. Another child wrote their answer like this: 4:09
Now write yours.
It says 10:09
